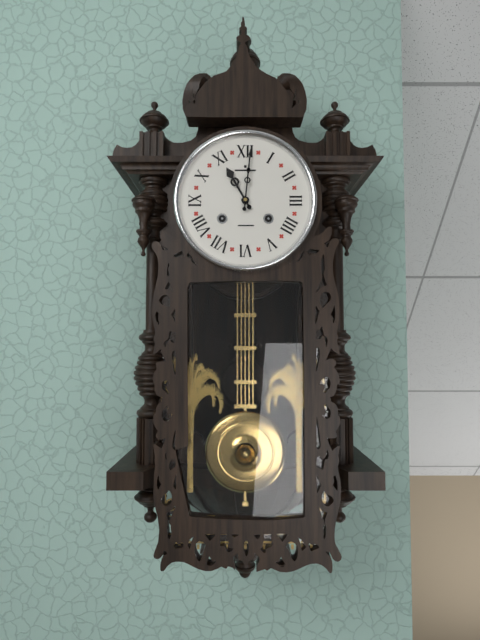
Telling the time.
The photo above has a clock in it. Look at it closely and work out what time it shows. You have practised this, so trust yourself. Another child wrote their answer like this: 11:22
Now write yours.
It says 11:01
